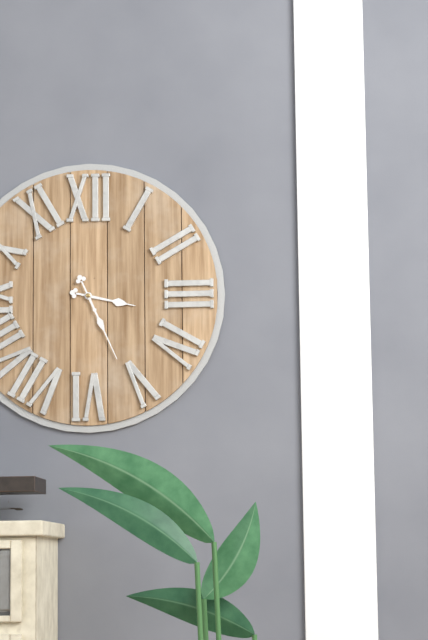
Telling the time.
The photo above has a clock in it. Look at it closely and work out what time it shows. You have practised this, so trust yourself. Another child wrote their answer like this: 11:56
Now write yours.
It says 3:26
